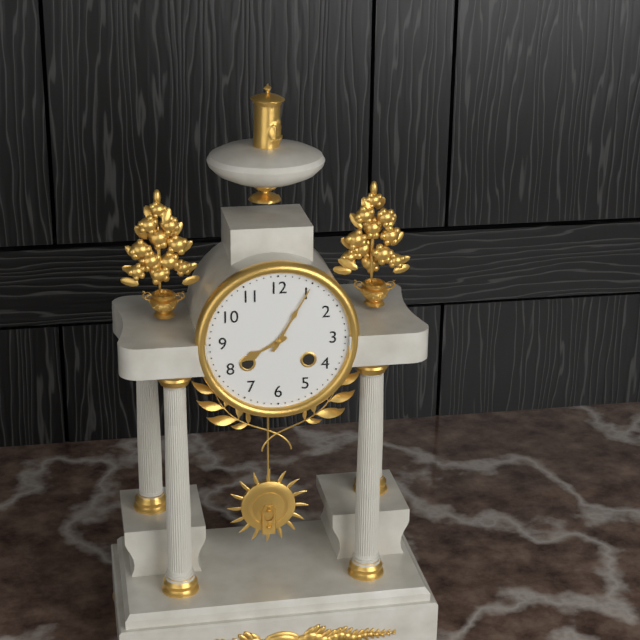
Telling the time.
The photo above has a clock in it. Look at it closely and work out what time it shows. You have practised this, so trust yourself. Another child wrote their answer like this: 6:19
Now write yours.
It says 8:05
